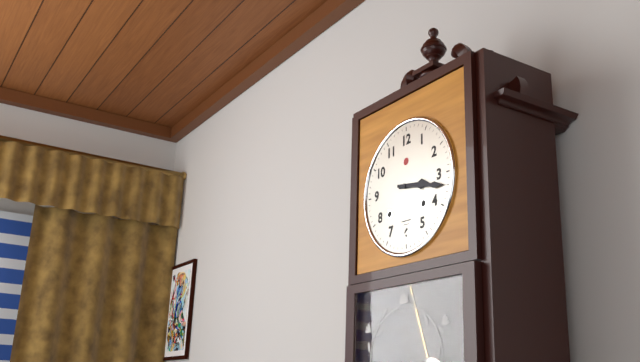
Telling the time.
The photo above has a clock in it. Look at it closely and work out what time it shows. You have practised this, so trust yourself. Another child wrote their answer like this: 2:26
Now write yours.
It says 3:17
